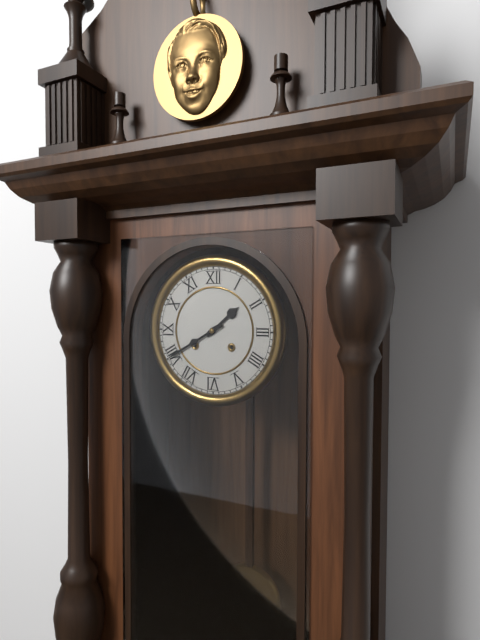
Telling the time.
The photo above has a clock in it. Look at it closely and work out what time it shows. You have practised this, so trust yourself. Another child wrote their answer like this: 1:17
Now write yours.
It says 1:40
